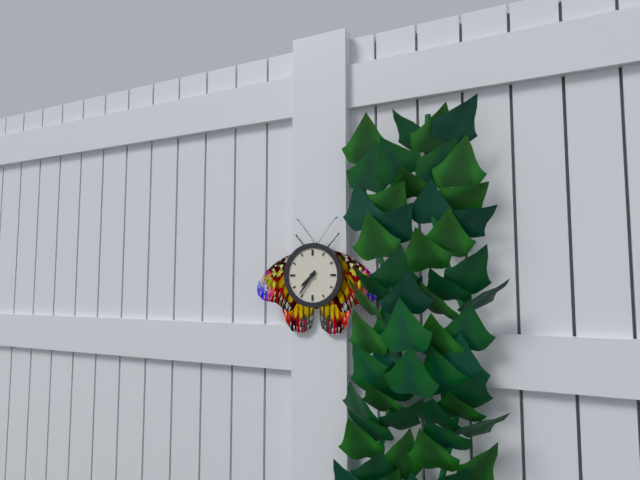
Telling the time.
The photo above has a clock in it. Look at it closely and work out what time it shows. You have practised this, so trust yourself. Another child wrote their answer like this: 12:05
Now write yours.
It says 7:36
